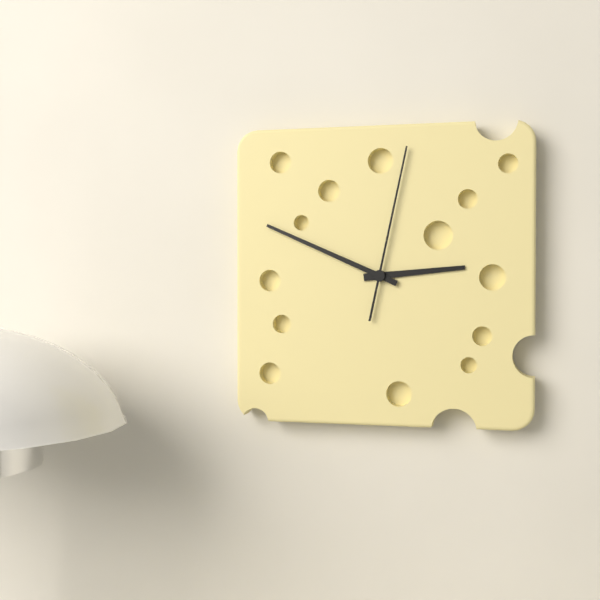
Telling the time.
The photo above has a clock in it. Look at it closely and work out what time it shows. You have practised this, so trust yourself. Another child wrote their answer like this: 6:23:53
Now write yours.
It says 2:49:02
